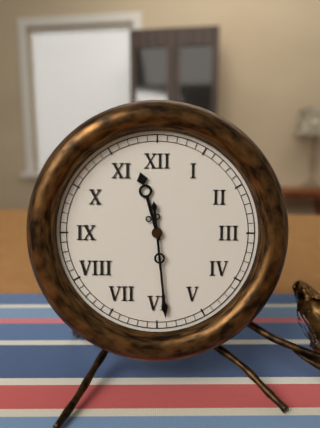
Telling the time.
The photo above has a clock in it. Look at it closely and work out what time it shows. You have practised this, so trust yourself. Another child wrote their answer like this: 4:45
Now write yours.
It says 11:29
